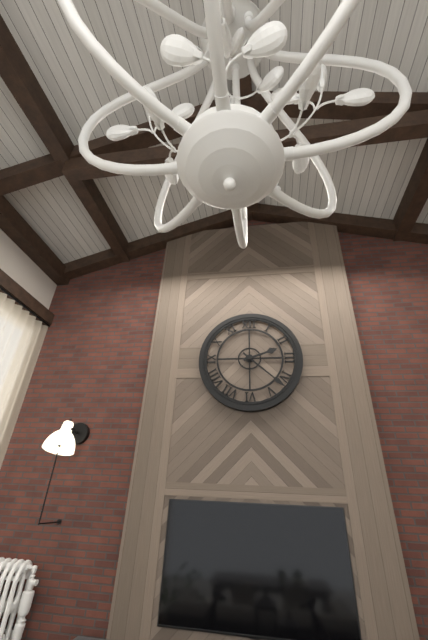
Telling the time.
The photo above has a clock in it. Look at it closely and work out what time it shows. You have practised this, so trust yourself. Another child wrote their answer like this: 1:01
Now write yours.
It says 2:22
